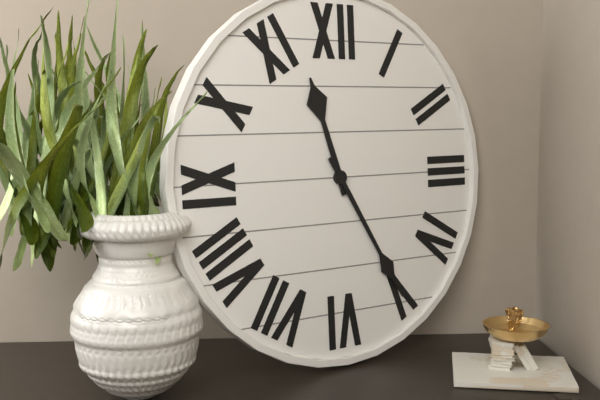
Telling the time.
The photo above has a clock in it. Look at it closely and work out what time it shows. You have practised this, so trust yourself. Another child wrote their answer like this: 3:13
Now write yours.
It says 11:25
